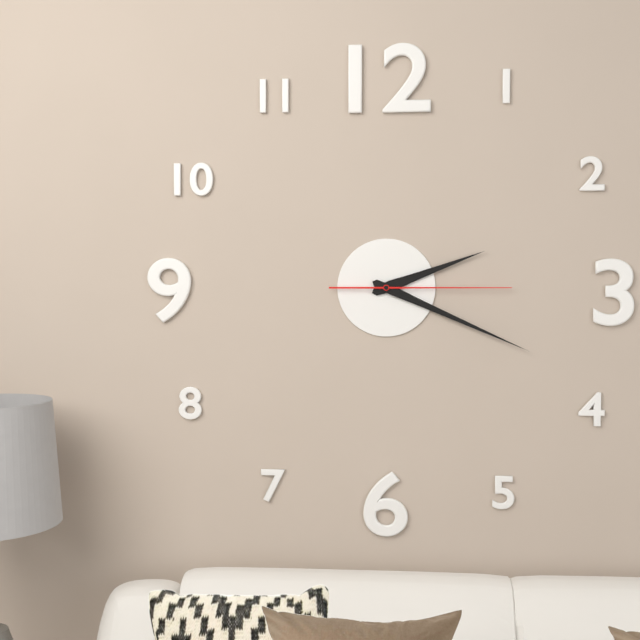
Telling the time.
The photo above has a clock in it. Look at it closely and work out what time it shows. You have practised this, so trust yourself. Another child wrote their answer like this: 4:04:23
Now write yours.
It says 2:19:15
